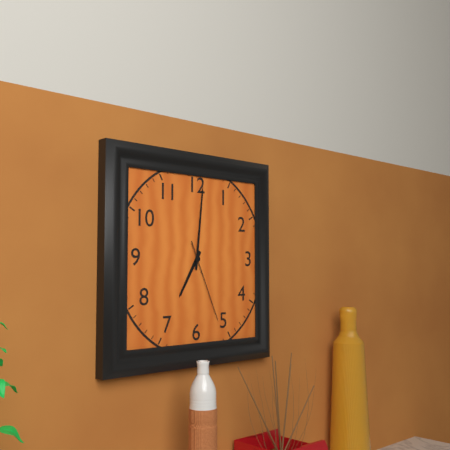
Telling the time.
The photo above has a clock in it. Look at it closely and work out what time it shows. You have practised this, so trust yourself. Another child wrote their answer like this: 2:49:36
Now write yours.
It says 7:01:26
